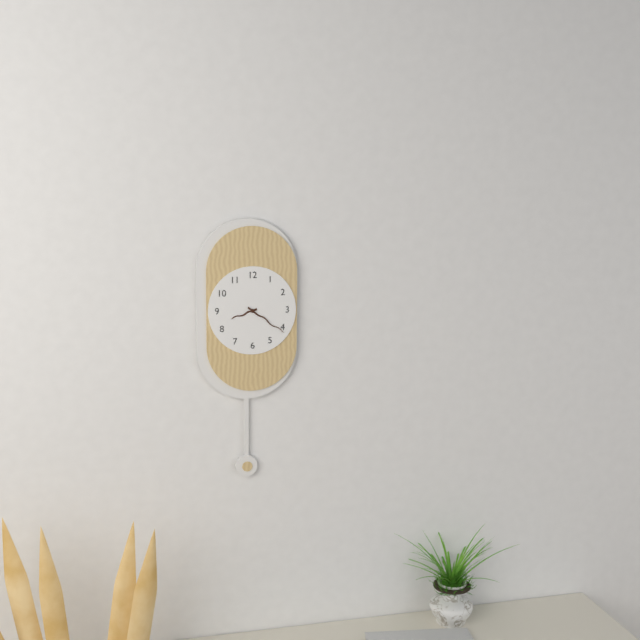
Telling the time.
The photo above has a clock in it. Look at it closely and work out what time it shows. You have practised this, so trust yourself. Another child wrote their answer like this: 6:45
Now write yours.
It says 8:21
